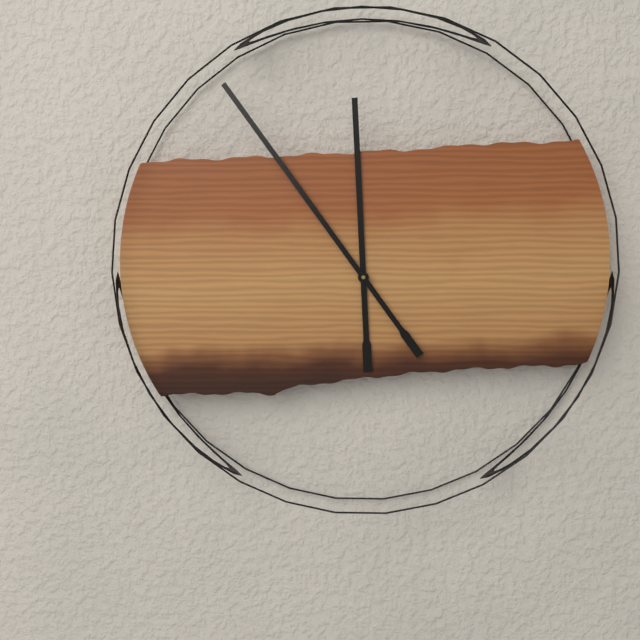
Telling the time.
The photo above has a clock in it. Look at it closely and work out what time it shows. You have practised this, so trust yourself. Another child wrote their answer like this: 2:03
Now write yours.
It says 11:54
